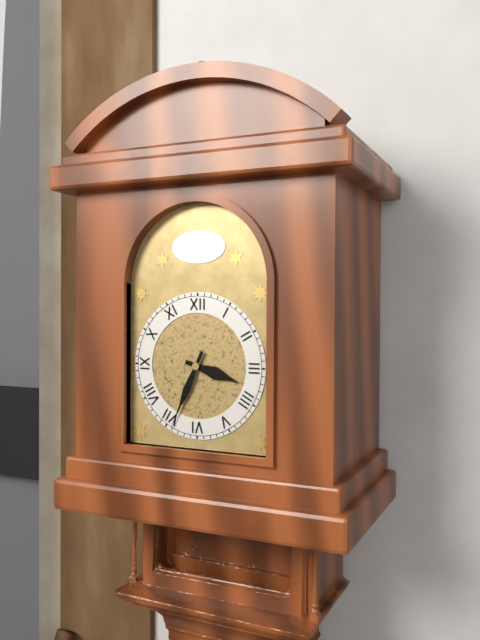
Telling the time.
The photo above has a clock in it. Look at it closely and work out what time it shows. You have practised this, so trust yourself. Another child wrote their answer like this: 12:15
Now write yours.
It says 3:34
